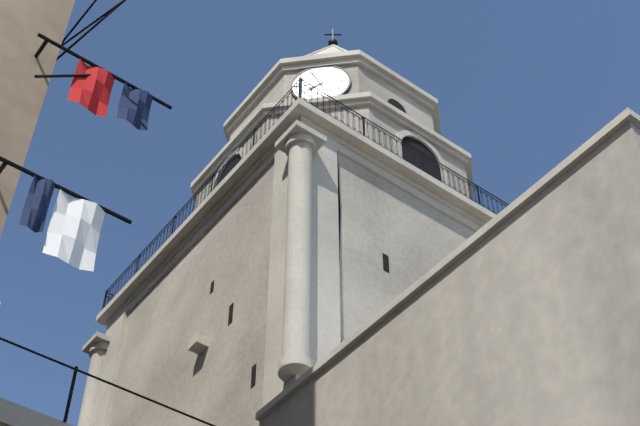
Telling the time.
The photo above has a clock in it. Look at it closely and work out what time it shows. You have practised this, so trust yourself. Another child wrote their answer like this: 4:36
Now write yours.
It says 7:56
